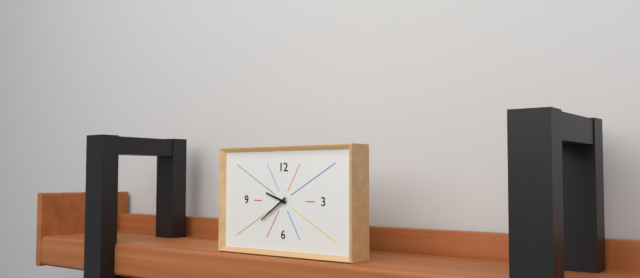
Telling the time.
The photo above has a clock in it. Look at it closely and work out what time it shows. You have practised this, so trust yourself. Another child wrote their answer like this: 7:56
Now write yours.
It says 9:39
